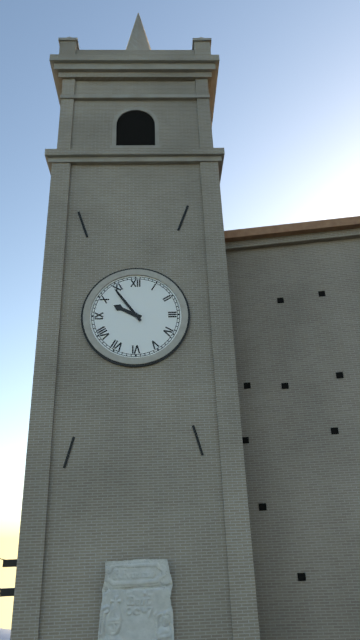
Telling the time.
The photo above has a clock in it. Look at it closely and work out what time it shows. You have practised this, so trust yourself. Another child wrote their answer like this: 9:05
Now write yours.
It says 9:54
